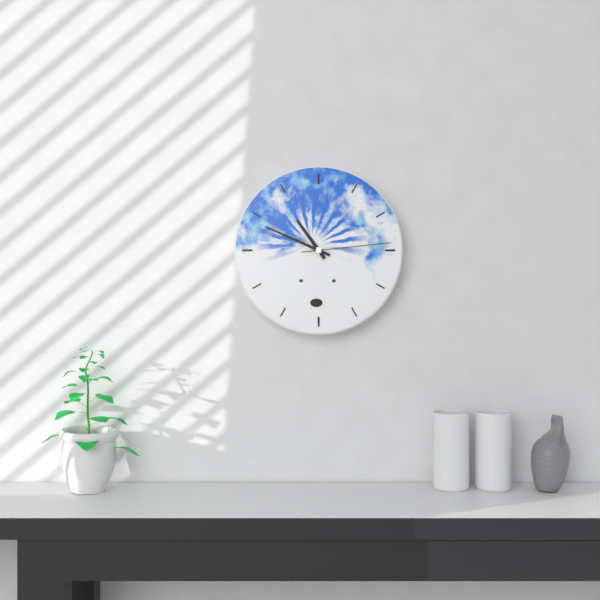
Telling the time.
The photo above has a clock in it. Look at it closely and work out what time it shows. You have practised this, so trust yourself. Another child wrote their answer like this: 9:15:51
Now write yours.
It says 10:49:14
